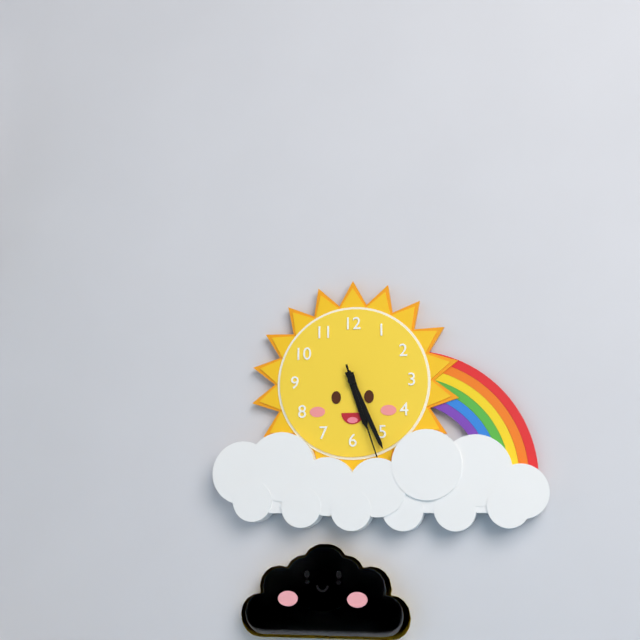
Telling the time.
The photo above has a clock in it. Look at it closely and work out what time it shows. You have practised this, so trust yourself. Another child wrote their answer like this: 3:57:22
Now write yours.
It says 5:26:27
